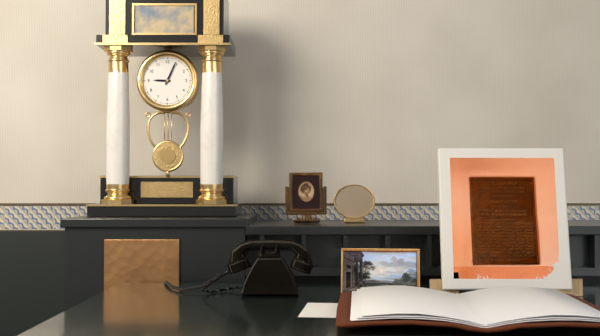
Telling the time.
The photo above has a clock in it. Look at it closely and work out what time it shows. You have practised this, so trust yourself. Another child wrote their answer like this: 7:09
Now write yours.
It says 9:04
